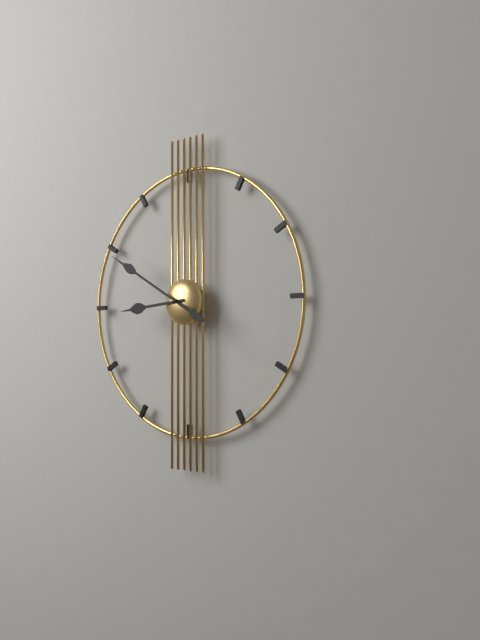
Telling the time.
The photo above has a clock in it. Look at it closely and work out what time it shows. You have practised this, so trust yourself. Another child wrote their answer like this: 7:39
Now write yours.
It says 8:50
